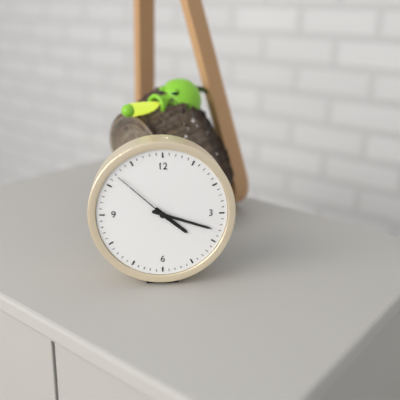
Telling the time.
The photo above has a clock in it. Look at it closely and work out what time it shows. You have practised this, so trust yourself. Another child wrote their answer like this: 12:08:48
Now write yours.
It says 4:18:52
